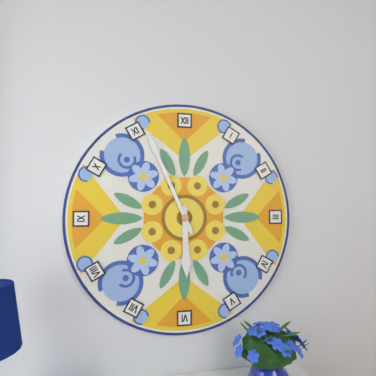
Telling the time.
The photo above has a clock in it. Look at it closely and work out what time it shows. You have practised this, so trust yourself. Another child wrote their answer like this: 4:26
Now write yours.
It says 5:56
